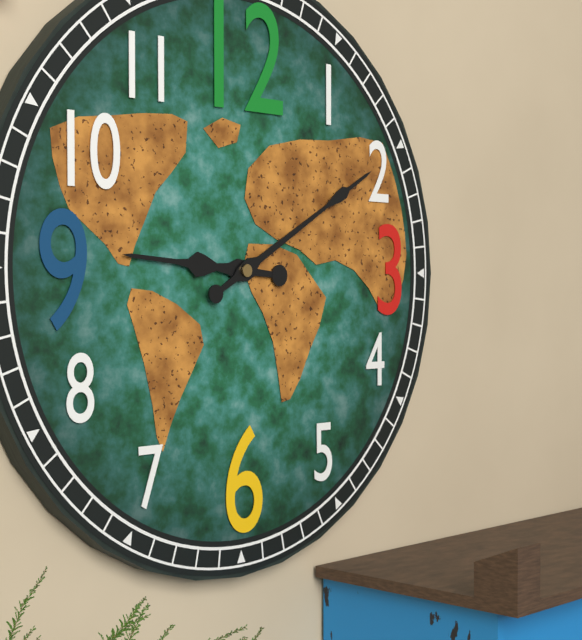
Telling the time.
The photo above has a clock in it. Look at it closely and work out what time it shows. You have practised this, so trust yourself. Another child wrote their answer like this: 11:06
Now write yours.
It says 9:10
